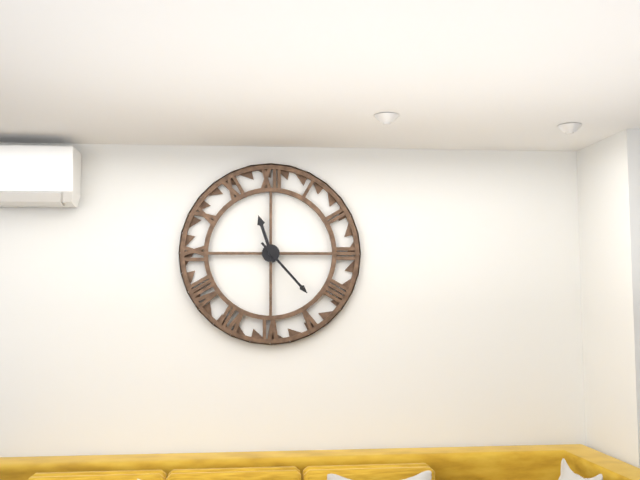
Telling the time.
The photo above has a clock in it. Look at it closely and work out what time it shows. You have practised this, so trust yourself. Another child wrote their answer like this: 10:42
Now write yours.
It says 11:23
